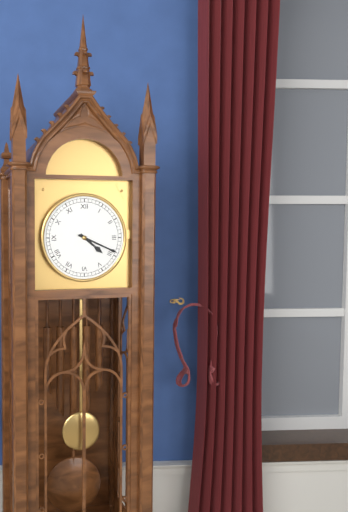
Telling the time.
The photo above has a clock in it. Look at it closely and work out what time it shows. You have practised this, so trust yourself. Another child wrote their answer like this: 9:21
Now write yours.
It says 4:19
